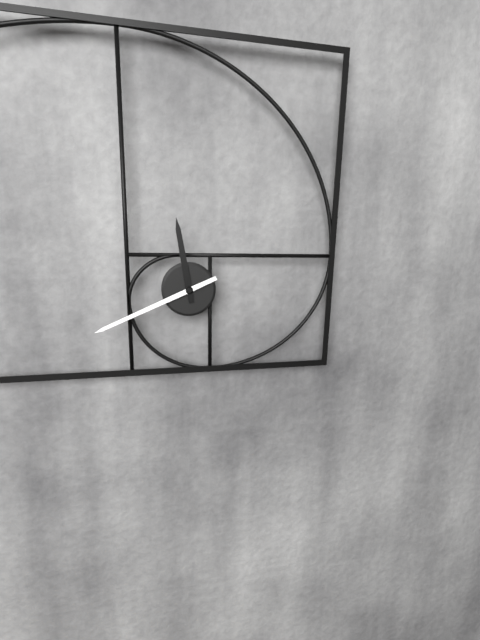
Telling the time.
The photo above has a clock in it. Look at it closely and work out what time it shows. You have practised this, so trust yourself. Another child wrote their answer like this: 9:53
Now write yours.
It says 11:41
